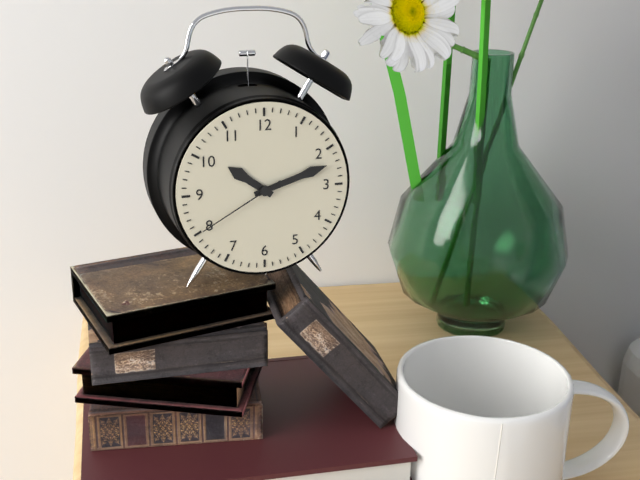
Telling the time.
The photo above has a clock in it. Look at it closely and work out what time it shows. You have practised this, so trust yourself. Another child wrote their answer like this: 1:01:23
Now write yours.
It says 10:12:40
